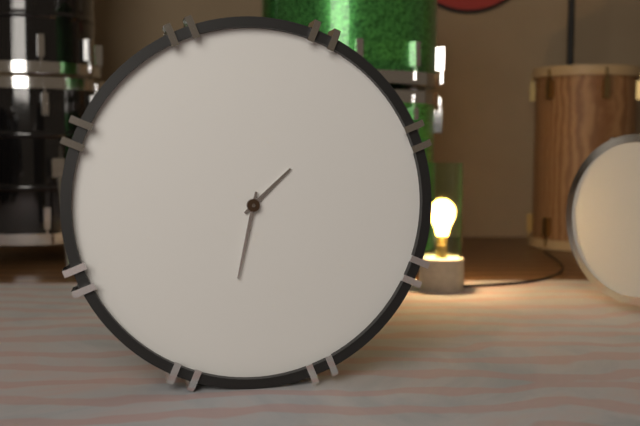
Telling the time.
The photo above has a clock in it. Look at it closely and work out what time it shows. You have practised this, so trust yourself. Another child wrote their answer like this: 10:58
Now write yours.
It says 1:32
